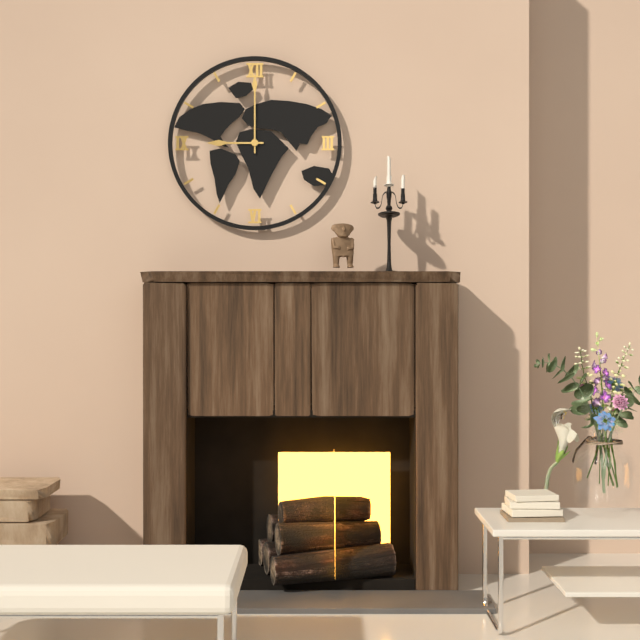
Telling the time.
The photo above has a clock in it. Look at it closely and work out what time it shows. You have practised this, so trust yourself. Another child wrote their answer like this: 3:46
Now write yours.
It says 9:00
